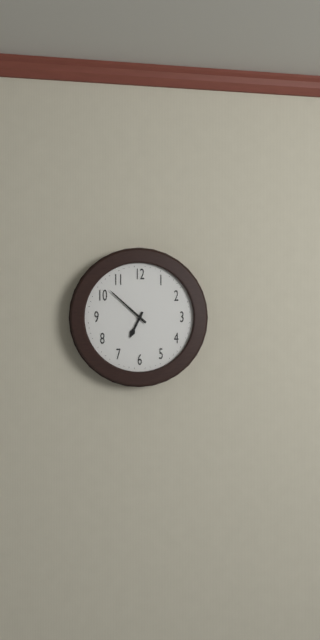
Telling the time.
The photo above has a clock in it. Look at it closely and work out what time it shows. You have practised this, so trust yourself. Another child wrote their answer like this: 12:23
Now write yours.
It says 6:52
